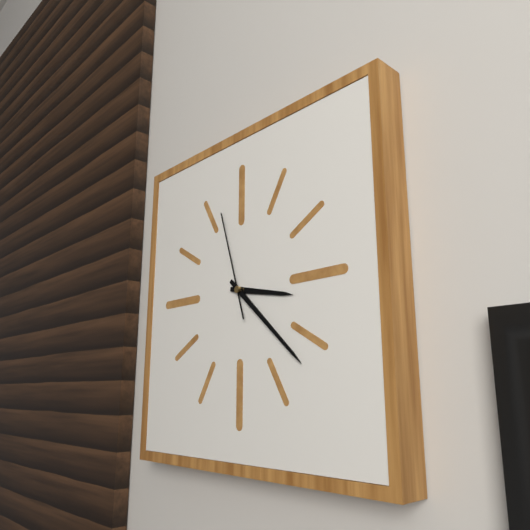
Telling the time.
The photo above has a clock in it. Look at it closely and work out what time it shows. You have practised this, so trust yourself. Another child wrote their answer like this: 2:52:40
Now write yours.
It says 3:22:57
